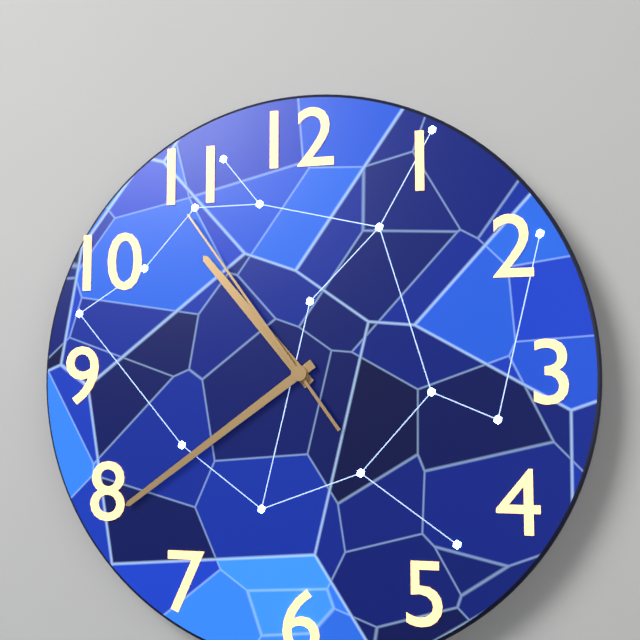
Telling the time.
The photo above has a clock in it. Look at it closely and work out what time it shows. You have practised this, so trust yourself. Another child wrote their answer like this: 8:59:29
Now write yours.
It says 10:39:54
